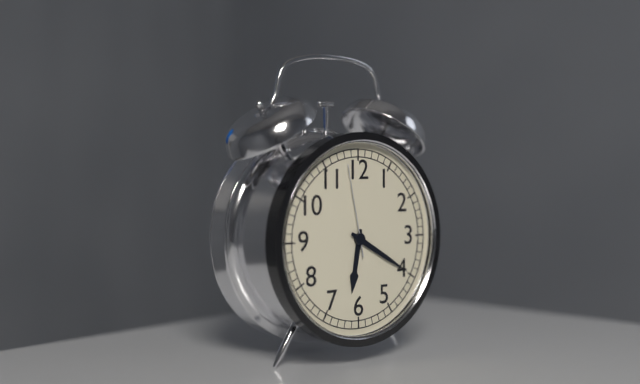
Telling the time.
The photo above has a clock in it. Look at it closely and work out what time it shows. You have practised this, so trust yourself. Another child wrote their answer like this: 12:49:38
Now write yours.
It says 6:20:58
